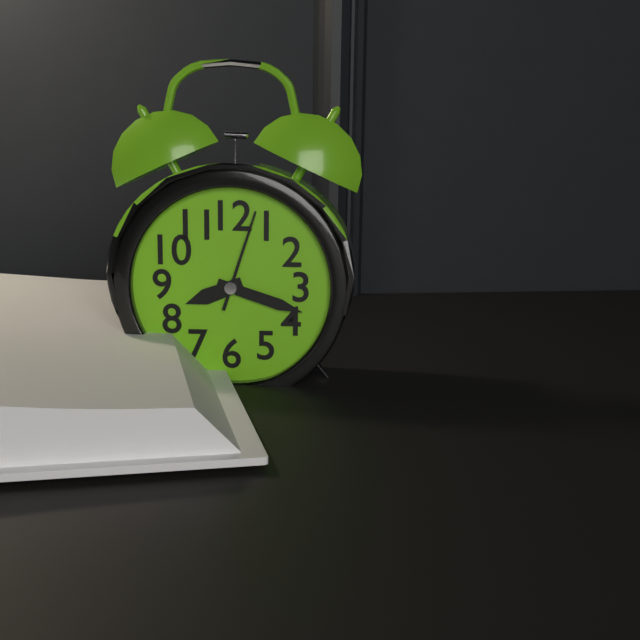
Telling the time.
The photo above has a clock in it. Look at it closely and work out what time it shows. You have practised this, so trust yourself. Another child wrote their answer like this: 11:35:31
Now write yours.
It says 8:18:03
